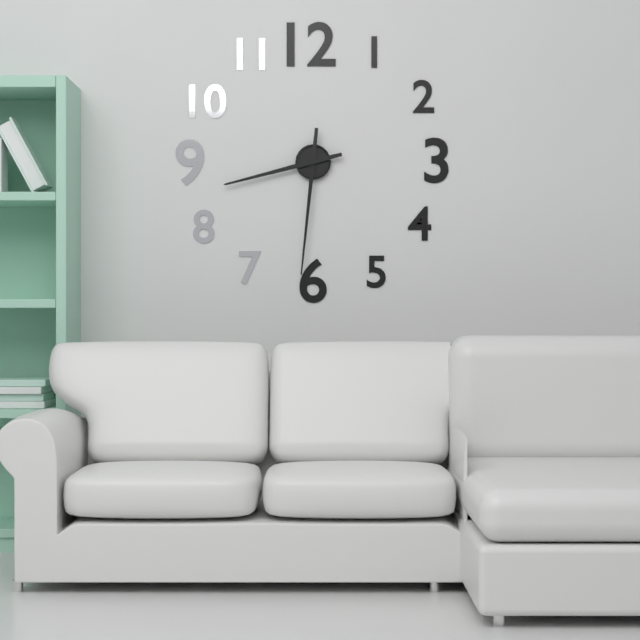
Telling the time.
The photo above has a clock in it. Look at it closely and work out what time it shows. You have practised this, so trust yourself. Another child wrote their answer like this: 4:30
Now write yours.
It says 8:31
